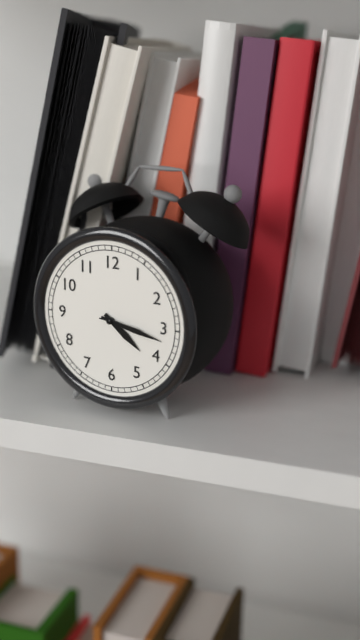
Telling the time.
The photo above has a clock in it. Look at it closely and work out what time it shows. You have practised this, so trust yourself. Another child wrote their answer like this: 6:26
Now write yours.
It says 4:17
